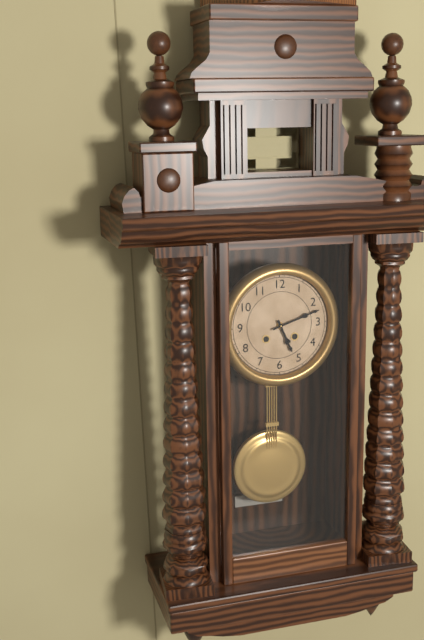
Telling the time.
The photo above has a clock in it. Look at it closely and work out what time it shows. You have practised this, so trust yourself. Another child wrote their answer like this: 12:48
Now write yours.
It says 5:12
